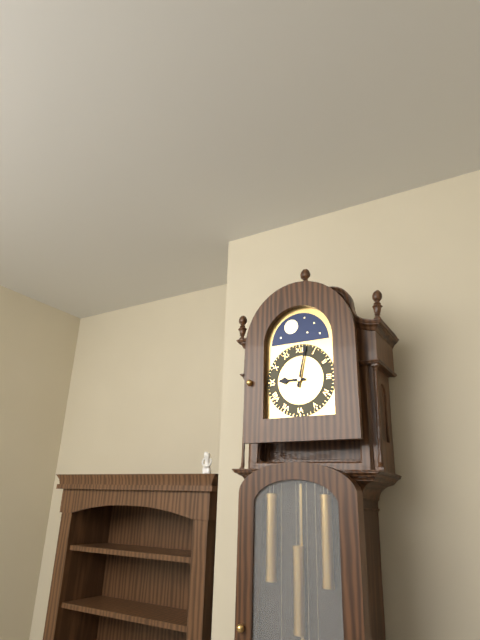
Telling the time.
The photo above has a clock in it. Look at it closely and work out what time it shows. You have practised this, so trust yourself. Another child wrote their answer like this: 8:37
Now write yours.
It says 9:02
